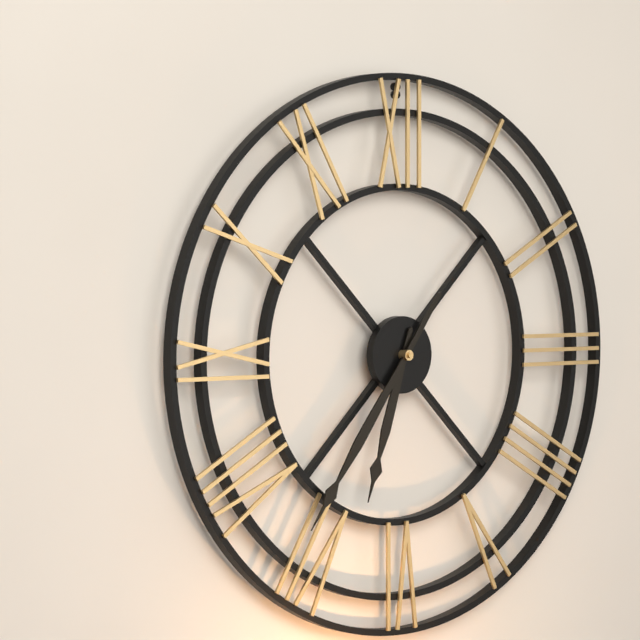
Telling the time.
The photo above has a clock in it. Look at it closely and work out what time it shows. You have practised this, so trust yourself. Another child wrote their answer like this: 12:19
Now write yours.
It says 6:36
